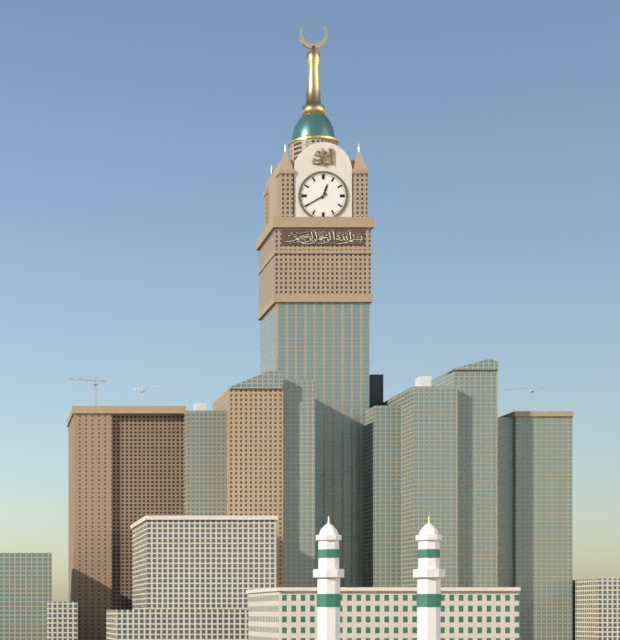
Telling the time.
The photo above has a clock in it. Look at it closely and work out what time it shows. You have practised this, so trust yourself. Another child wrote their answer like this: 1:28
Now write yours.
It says 12:40
